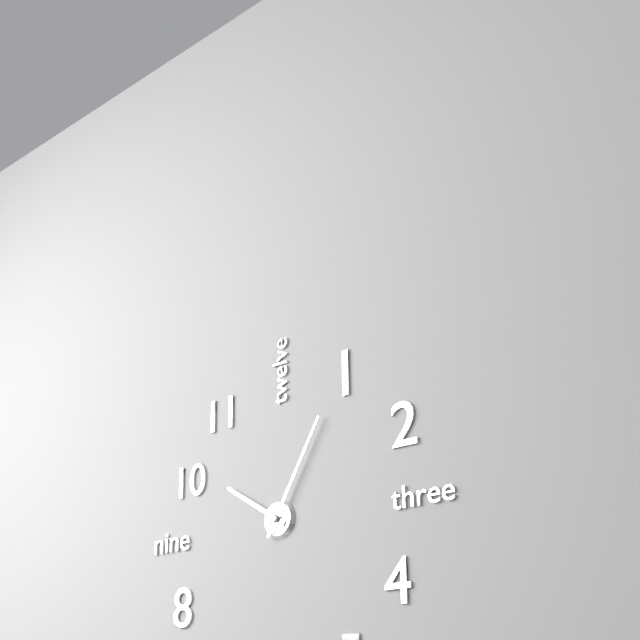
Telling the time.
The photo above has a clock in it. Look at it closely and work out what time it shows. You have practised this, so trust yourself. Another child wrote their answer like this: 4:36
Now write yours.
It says 10:05
